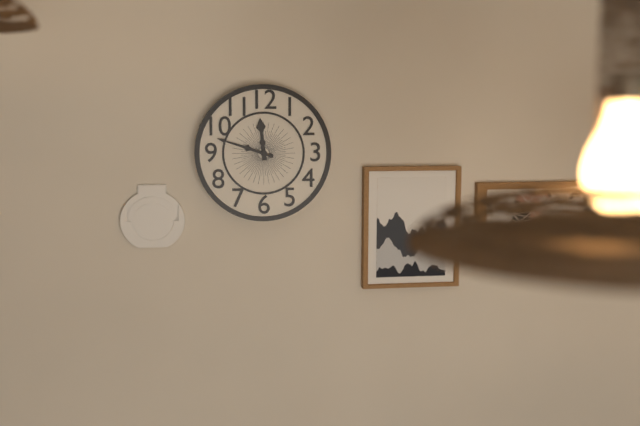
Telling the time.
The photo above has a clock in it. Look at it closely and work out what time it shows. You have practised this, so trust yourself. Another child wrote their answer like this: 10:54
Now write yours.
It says 11:48
